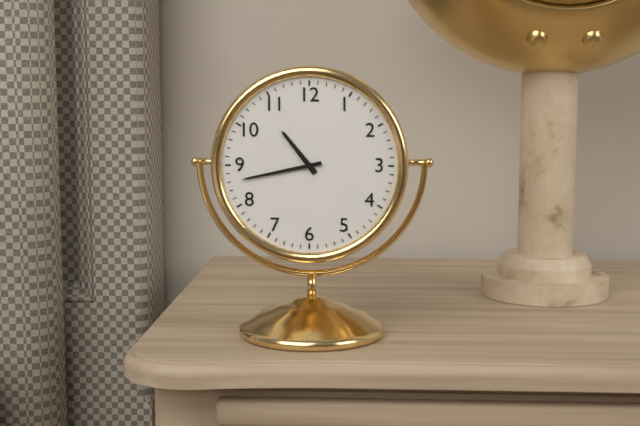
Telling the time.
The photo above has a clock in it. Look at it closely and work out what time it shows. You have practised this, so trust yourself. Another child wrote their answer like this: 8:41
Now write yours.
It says 10:43
